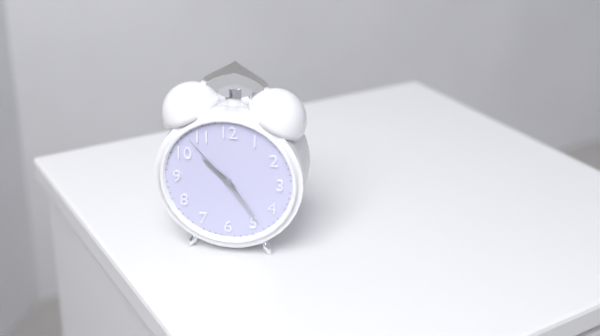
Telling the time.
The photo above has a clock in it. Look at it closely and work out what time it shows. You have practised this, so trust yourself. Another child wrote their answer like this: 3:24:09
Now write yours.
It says 10:24:53
